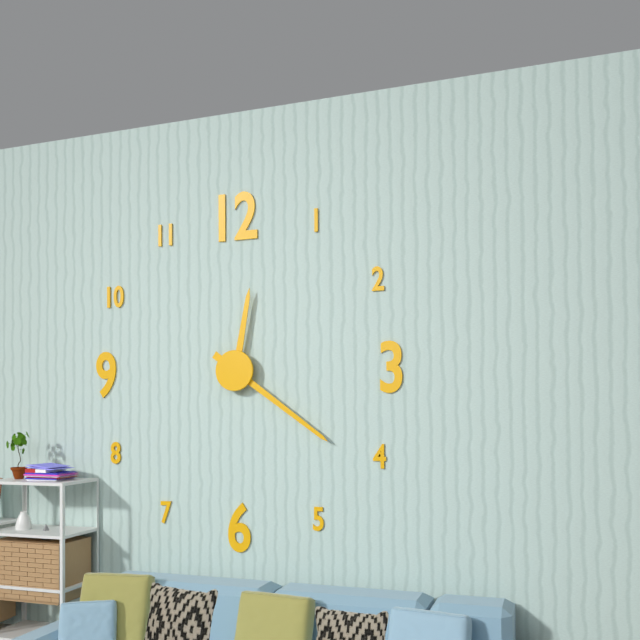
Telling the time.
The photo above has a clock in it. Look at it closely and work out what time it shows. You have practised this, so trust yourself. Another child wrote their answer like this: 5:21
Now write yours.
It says 12:21
